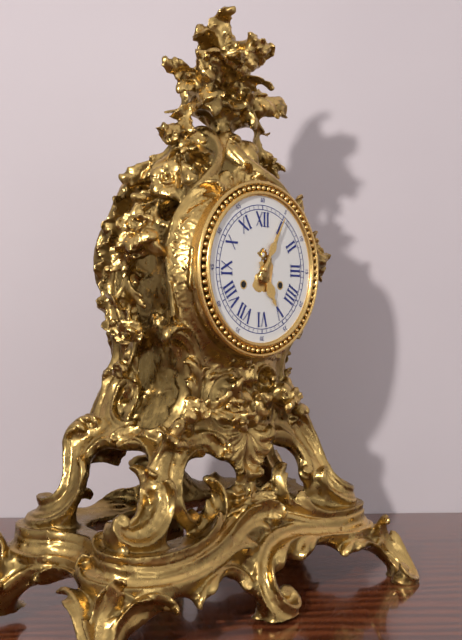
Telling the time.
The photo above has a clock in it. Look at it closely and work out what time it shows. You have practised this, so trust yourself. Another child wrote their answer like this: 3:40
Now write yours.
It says 5:05
